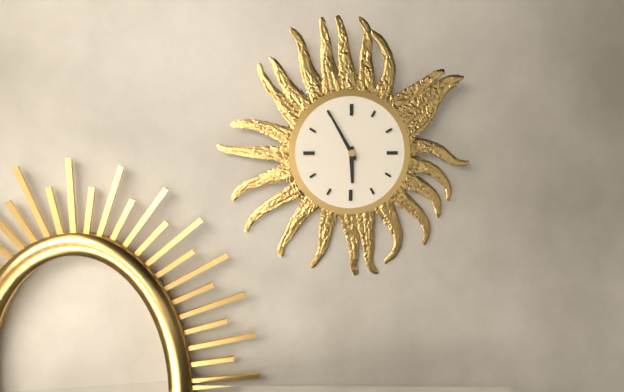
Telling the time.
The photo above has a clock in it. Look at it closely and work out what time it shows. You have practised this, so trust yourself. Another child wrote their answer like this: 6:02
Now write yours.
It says 5:55
